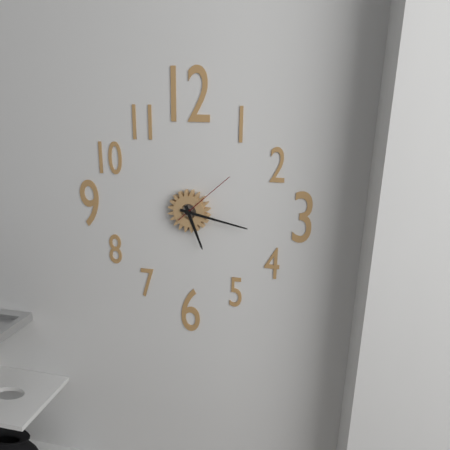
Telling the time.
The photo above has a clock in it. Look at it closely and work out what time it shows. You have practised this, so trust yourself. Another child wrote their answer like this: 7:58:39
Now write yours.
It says 5:17:08
